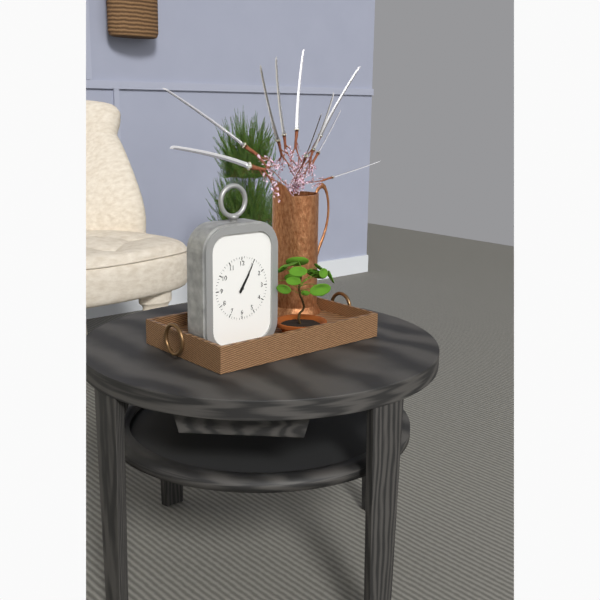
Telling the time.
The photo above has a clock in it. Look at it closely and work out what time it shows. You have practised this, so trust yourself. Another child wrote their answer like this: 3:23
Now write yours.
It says 1:05
